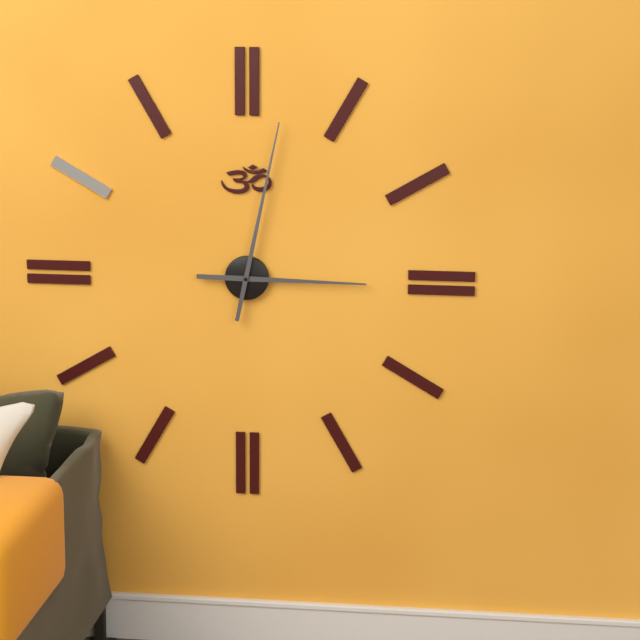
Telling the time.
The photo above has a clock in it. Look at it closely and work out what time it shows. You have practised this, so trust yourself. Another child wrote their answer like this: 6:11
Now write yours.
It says 3:02
